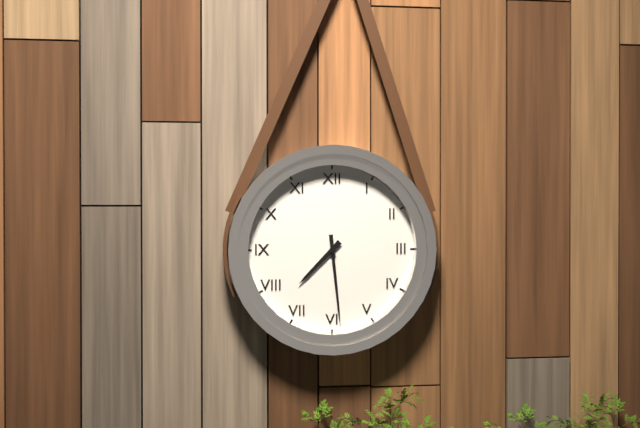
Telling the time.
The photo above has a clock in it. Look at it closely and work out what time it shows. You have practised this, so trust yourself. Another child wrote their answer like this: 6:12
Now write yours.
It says 7:29
